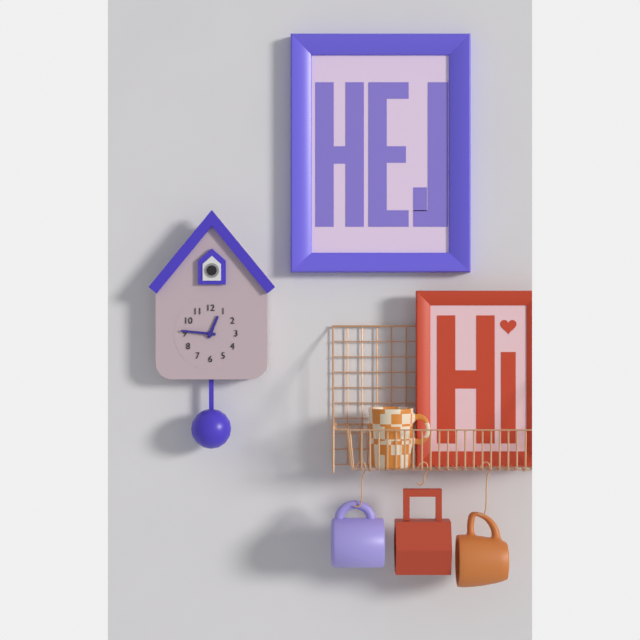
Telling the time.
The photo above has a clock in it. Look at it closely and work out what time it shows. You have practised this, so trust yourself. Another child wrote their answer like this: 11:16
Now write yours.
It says 12:46
